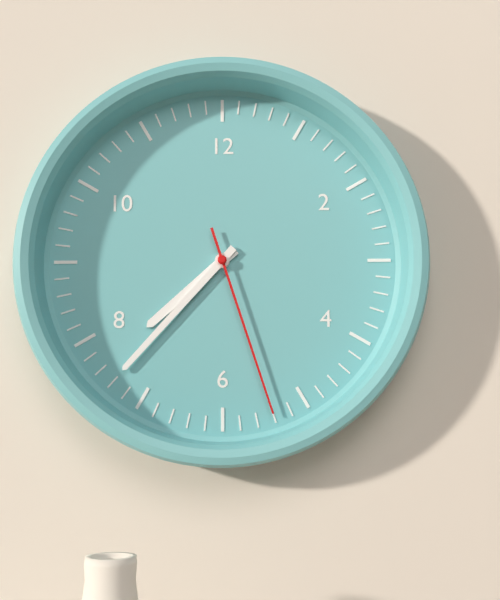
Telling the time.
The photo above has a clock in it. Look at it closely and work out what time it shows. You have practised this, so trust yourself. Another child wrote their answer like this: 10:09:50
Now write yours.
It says 7:37:27
